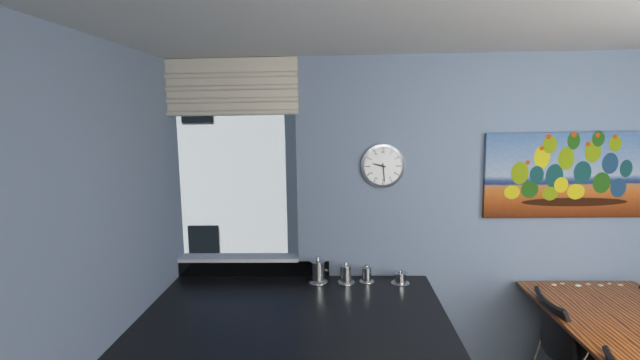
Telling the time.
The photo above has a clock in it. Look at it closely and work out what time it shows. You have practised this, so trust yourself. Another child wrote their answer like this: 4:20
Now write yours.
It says 9:29
